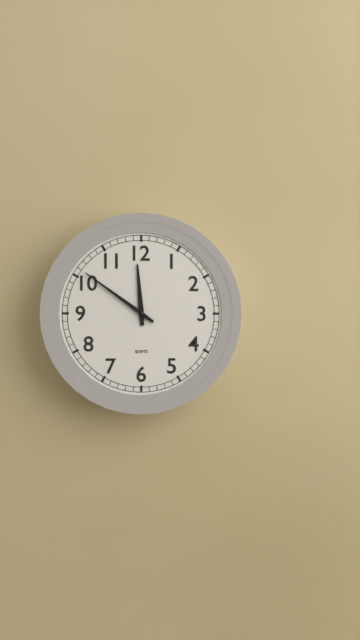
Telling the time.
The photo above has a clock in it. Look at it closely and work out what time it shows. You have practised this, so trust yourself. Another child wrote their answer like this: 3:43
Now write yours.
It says 11:51
